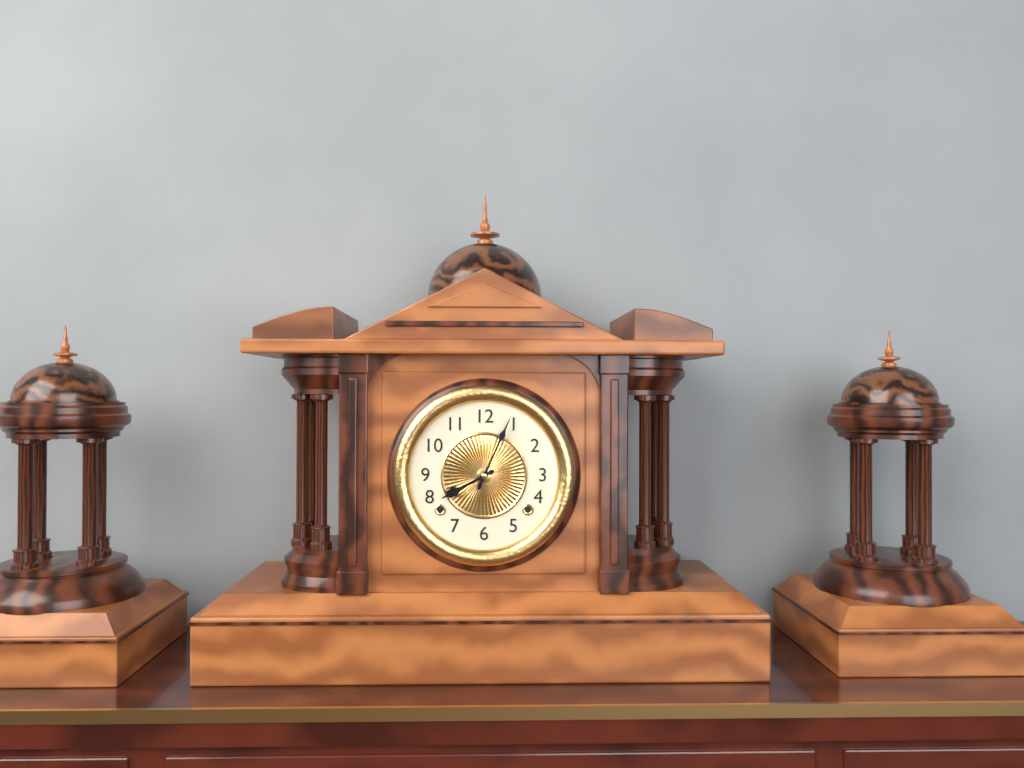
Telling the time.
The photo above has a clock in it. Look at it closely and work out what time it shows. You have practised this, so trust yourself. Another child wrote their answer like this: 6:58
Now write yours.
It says 8:04
